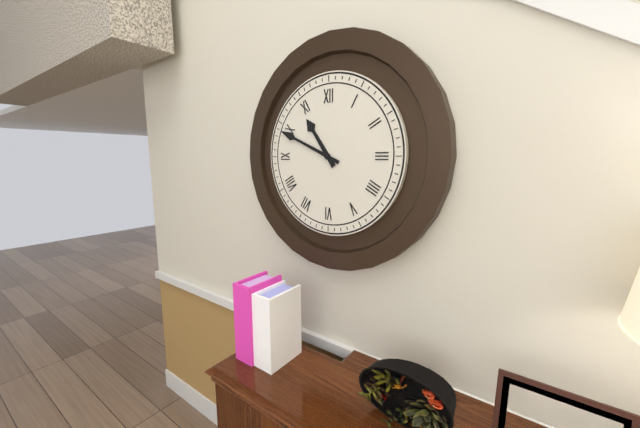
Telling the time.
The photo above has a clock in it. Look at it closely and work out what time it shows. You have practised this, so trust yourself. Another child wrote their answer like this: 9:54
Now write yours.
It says 10:49
